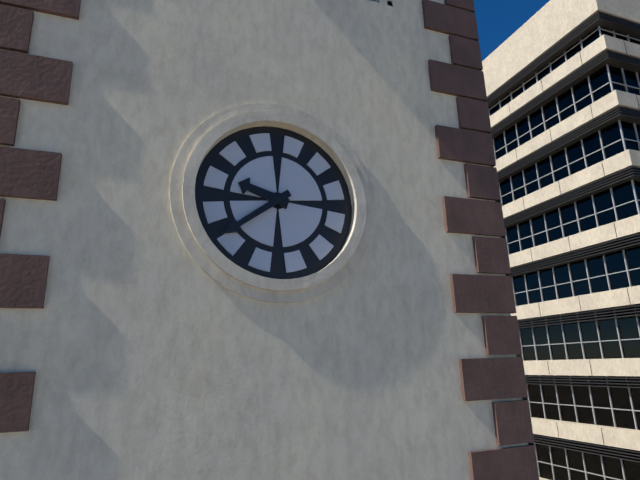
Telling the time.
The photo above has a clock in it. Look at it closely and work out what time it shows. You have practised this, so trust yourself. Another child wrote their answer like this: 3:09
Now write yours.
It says 9:39
